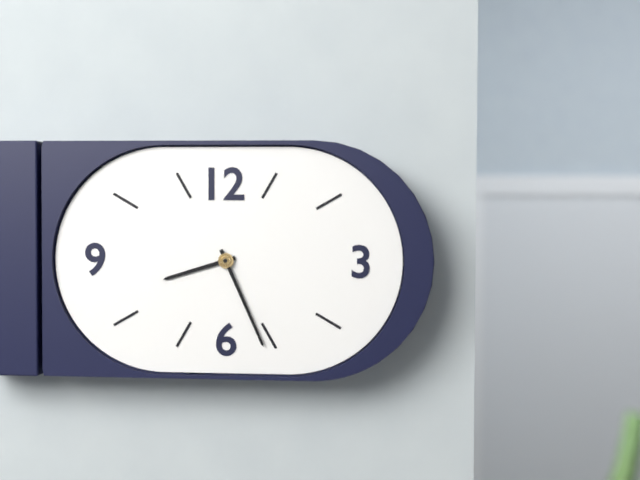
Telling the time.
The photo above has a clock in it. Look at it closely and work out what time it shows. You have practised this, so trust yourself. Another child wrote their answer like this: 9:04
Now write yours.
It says 8:26
